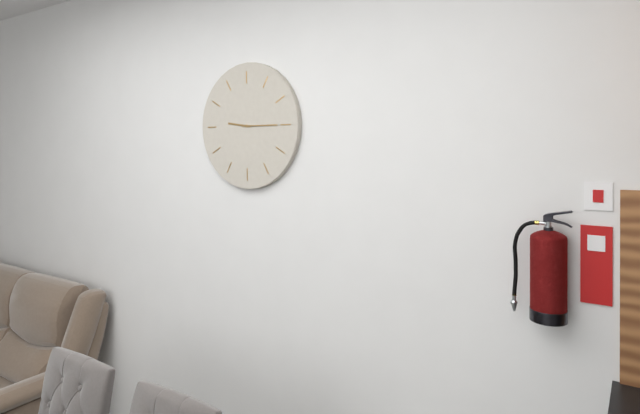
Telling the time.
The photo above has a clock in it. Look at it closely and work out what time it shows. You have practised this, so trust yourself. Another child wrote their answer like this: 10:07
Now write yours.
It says 9:15
